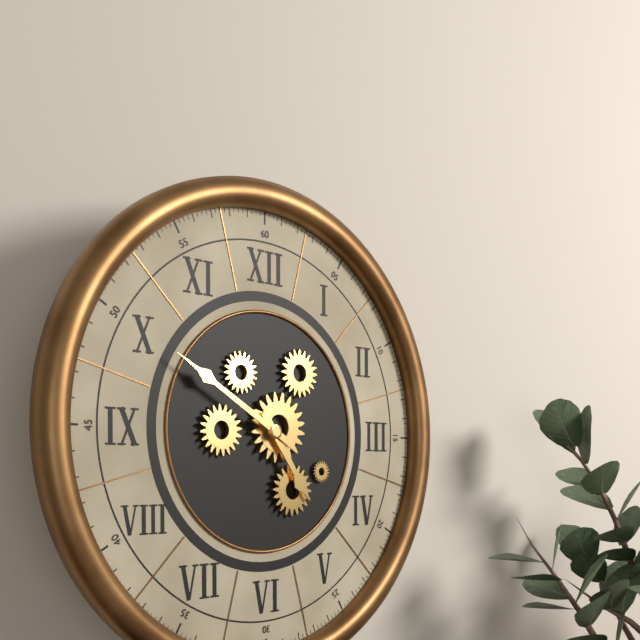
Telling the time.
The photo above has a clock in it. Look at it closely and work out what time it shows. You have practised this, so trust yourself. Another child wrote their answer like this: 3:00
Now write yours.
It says 4:50
